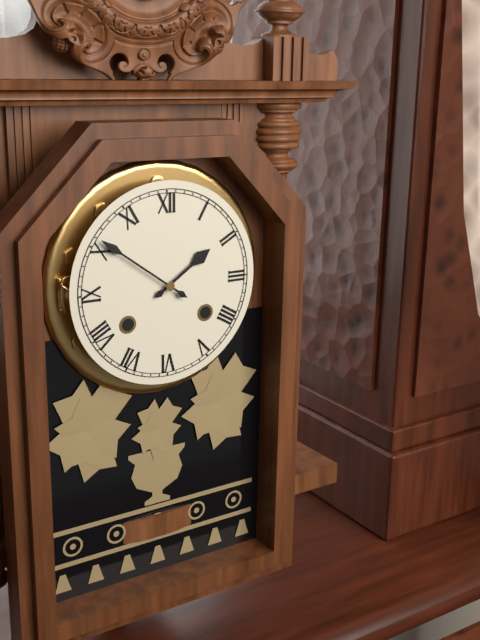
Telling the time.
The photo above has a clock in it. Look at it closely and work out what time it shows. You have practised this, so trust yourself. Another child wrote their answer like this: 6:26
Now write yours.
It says 1:51
